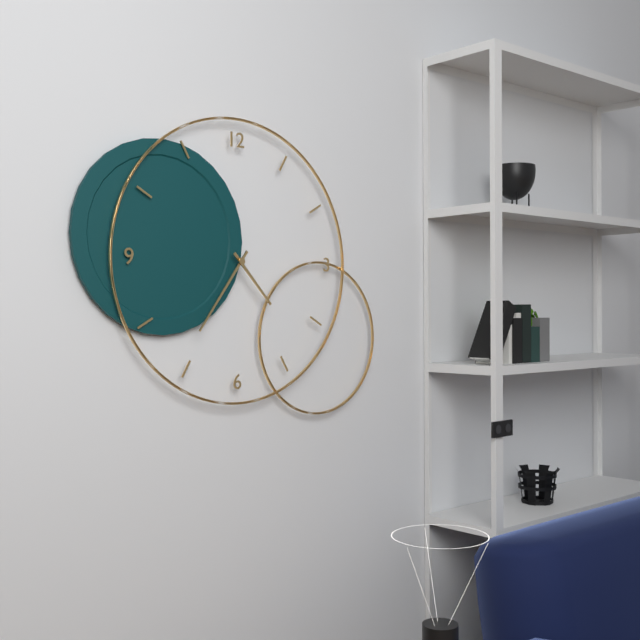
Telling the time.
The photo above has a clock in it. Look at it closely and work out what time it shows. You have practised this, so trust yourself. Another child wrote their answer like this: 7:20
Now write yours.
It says 4:36
